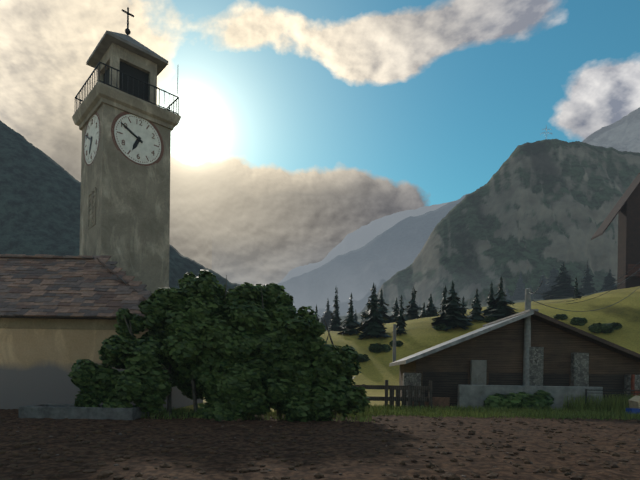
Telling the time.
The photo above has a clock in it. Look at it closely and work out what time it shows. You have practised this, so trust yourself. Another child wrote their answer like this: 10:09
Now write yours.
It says 6:50
